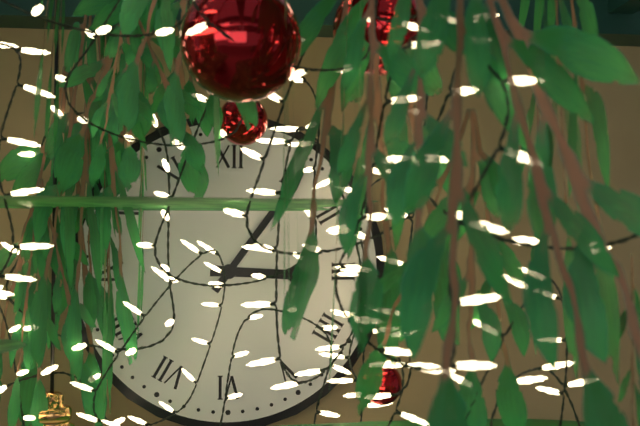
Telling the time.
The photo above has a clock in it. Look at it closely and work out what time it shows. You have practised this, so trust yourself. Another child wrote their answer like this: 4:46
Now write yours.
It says 3:06
